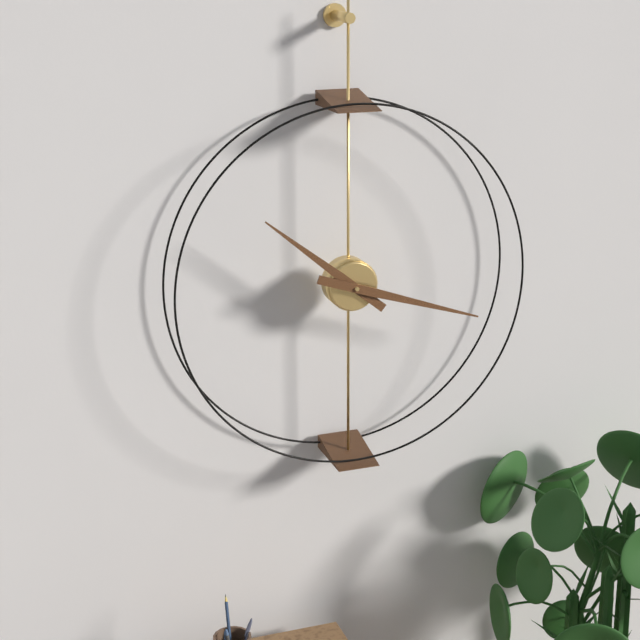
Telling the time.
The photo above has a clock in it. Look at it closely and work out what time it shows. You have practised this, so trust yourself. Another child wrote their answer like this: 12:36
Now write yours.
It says 10:18
